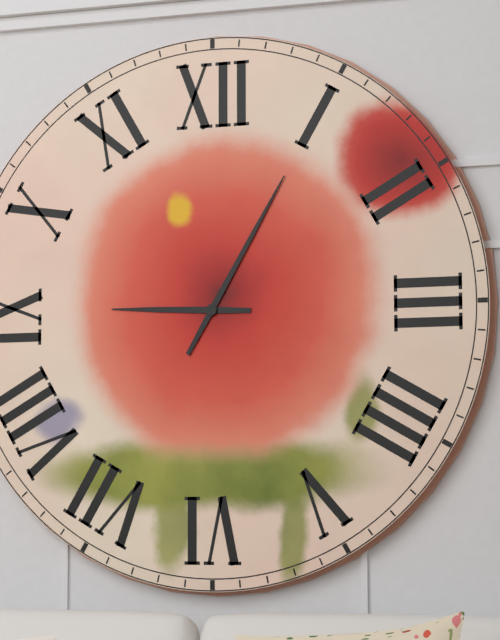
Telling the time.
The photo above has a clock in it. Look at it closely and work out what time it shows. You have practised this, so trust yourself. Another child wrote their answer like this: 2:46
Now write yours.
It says 9:05
